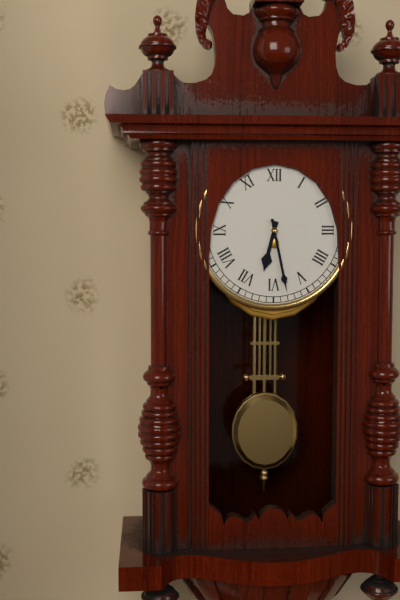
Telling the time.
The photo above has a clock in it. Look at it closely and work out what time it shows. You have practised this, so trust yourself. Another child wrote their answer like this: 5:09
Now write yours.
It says 6:28
